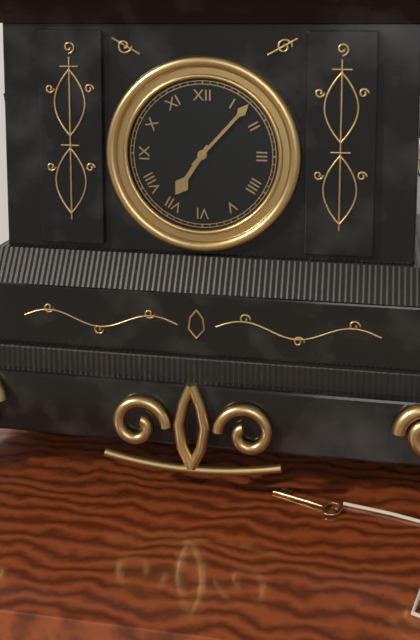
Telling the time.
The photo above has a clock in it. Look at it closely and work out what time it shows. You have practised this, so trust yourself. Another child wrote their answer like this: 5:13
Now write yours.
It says 7:07
